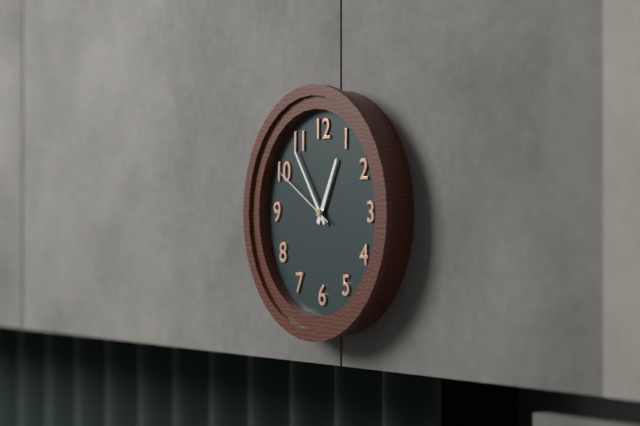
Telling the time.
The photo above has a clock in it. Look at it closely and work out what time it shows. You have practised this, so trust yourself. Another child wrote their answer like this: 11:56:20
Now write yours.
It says 12:54:50
